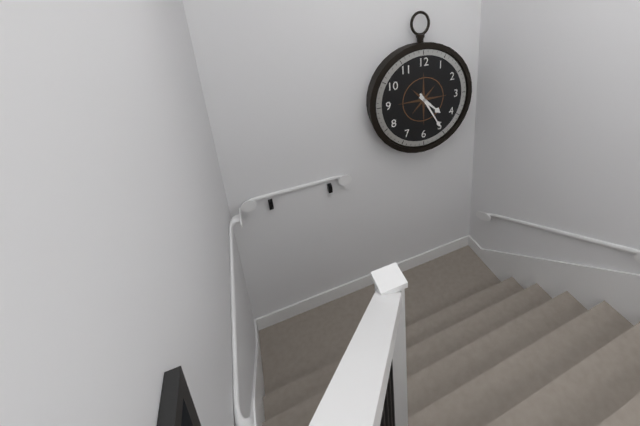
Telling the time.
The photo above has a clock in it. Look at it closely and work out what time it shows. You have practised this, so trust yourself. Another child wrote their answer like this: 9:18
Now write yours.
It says 4:25
